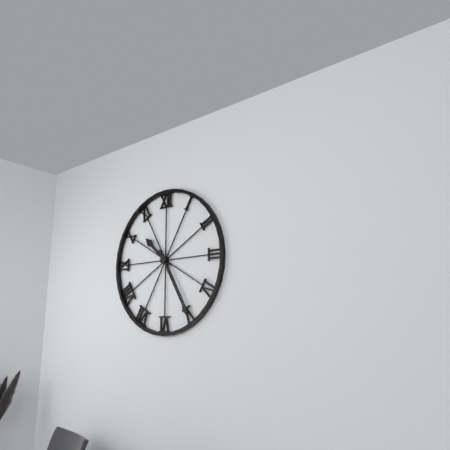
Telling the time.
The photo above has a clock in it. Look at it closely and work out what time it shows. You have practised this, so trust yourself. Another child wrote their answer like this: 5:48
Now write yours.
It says 10:25
